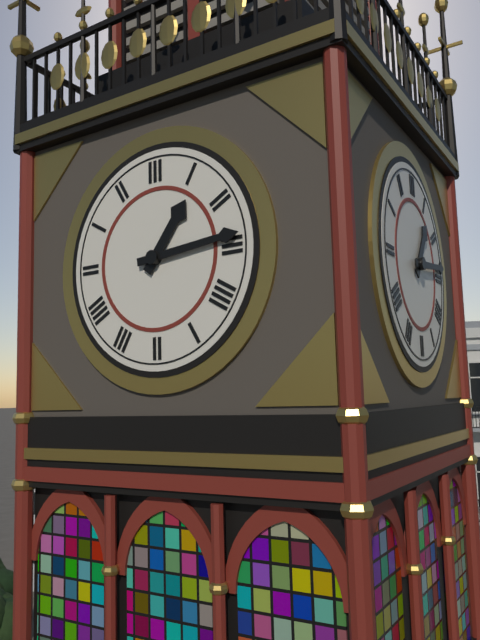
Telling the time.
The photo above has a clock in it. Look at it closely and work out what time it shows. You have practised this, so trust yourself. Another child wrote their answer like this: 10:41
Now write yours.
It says 1:14
